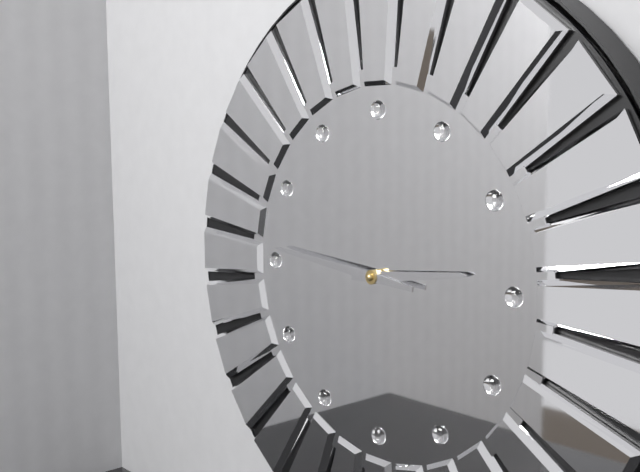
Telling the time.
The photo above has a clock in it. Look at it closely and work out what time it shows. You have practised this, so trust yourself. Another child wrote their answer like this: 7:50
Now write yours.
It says 2:46
